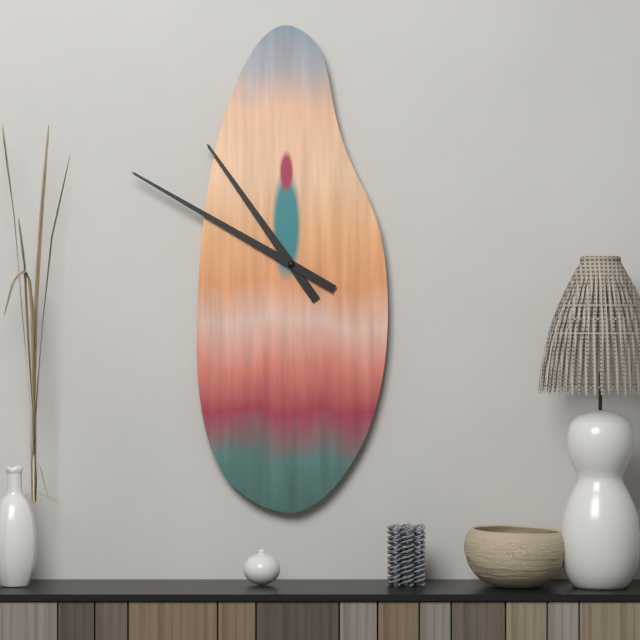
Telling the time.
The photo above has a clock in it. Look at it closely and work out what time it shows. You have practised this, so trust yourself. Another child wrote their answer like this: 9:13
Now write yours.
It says 10:50
